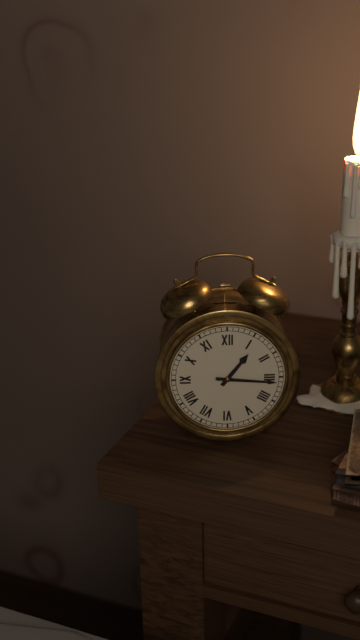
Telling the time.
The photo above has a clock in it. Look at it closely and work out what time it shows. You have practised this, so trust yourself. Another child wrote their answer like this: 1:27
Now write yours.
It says 1:16
